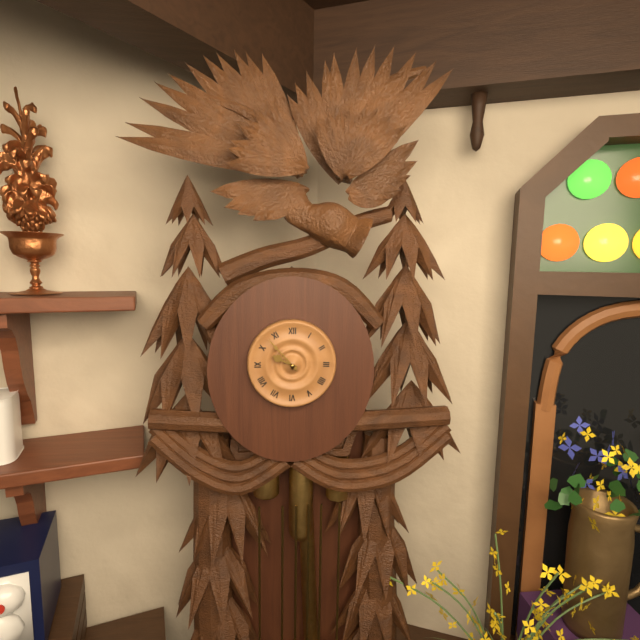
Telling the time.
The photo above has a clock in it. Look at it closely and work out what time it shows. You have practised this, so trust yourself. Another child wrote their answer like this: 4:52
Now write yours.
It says 9:53
